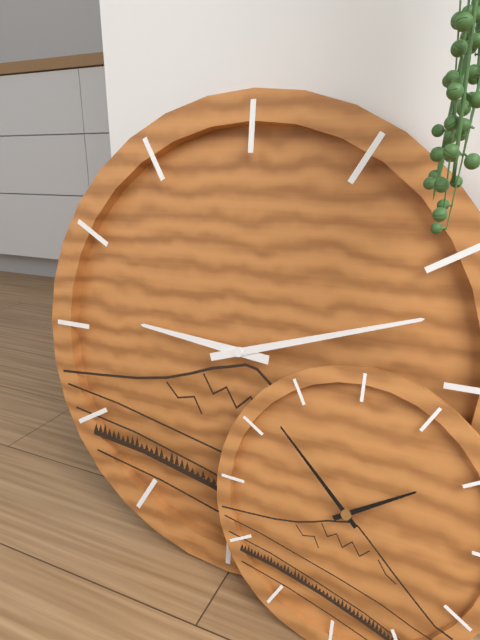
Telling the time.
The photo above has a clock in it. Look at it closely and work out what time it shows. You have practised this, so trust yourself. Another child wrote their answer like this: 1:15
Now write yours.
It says 9:12
